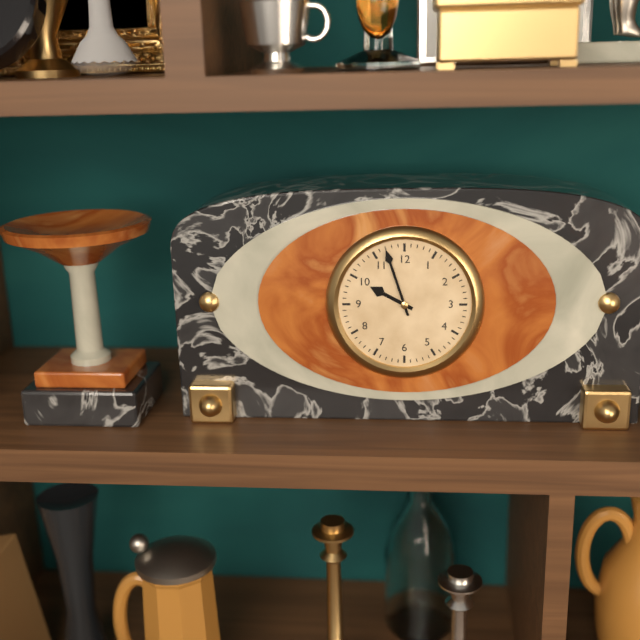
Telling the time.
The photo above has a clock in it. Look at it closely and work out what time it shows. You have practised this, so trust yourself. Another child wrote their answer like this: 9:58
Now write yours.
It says 9:57
